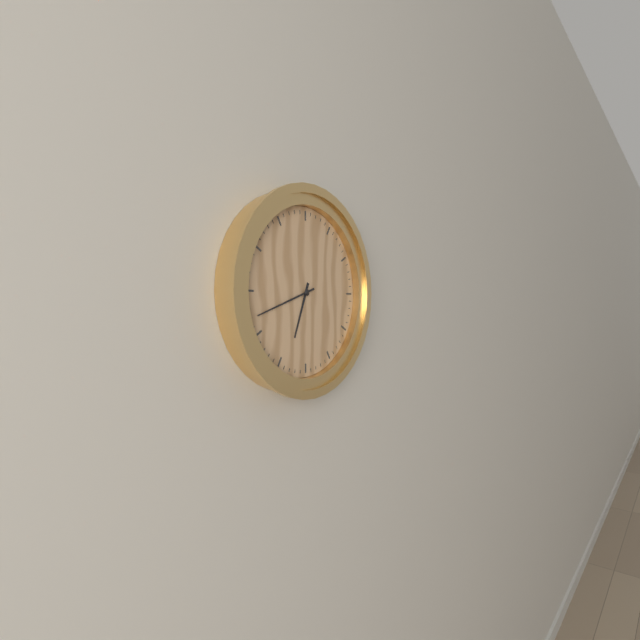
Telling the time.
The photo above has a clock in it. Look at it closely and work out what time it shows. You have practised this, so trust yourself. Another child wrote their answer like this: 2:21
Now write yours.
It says 6:42
